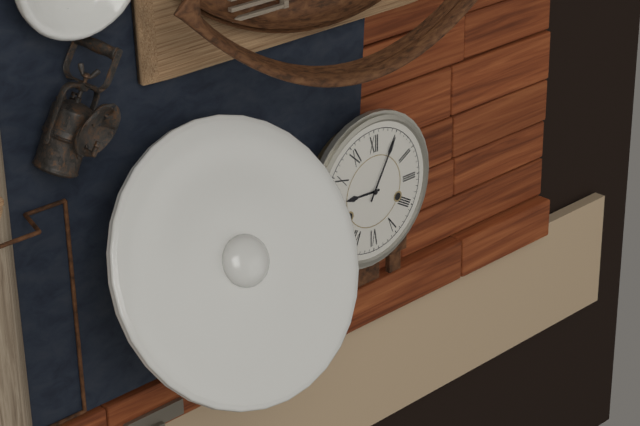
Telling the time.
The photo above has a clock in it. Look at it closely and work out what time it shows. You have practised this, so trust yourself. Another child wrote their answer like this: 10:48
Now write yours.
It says 9:05
